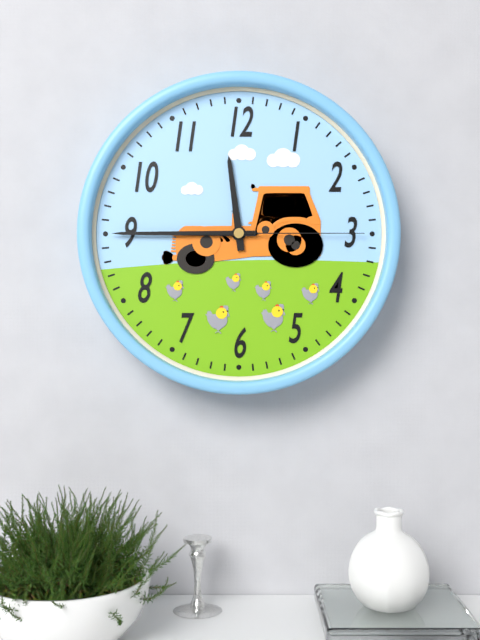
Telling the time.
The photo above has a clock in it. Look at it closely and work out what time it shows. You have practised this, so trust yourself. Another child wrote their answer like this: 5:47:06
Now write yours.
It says 11:45:15
